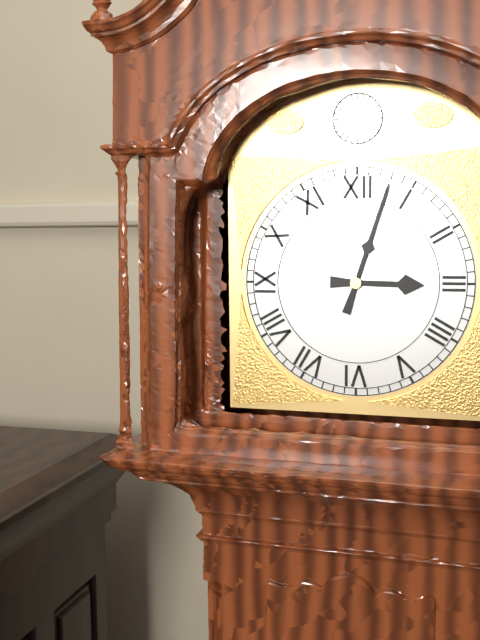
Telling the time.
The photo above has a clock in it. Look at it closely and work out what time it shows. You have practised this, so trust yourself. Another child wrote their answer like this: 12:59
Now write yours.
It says 3:03
